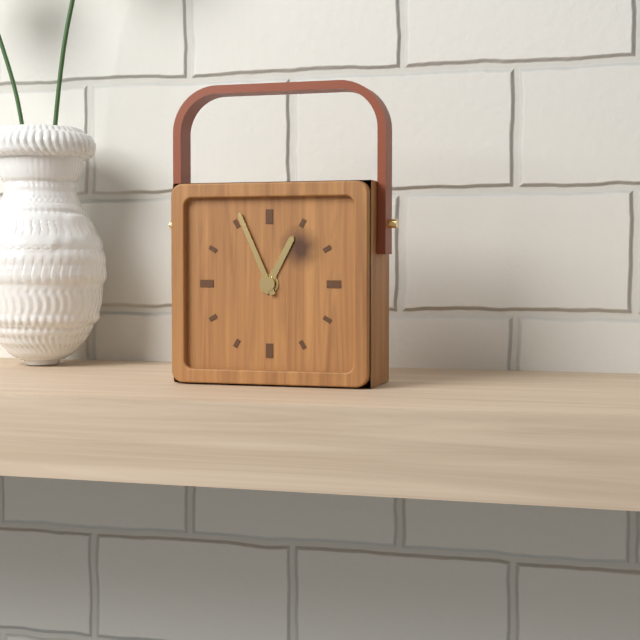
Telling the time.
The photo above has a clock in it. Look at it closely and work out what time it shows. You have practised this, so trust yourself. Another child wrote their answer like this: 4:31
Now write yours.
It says 12:56
